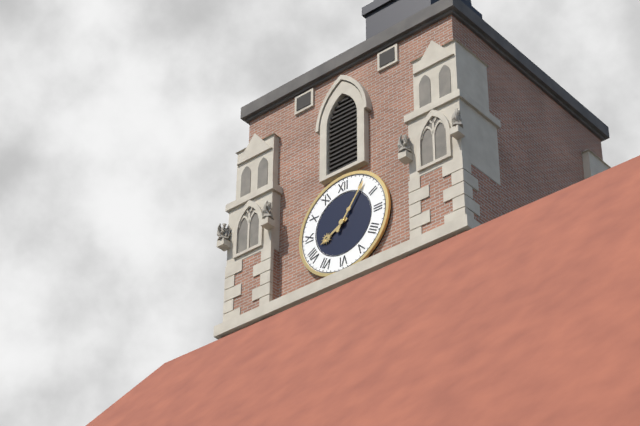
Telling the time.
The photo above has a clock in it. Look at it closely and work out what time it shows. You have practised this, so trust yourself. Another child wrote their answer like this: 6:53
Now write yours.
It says 8:06
